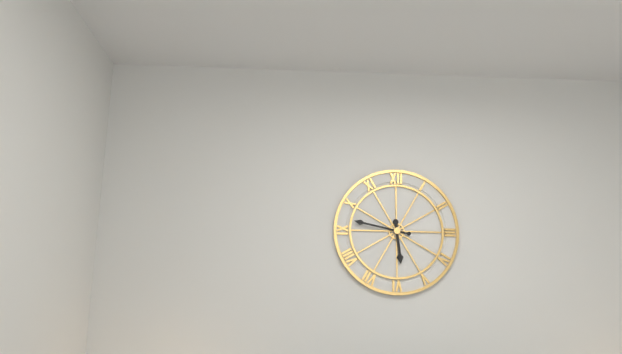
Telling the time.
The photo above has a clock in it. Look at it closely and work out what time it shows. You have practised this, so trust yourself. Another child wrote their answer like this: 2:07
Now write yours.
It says 5:47
